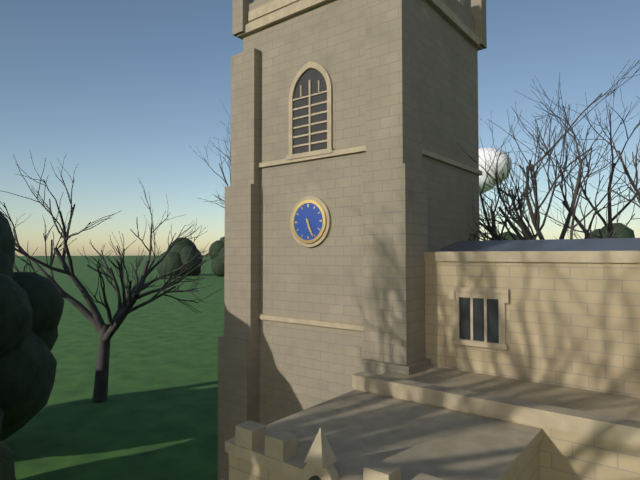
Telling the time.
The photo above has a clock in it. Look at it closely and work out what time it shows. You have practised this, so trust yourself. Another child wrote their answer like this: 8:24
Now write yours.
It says 5:26
